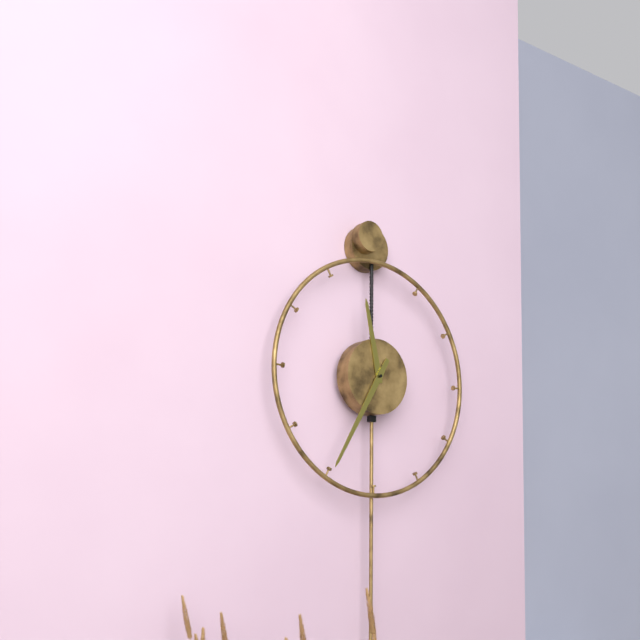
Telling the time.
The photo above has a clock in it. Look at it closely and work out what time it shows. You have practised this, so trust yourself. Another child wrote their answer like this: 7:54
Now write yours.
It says 11:35
